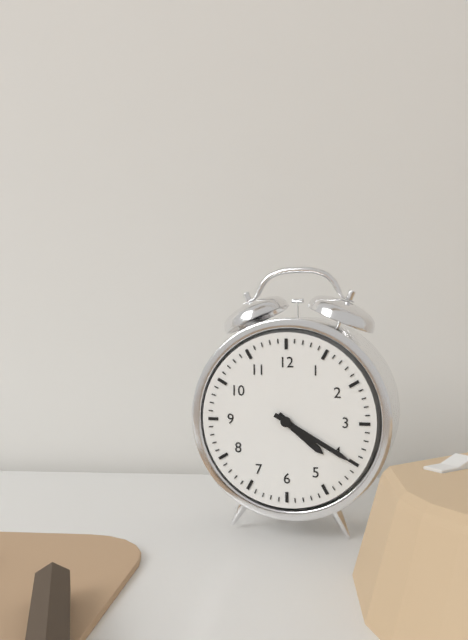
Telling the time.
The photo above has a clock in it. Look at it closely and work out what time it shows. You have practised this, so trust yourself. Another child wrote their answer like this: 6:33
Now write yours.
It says 4:20
